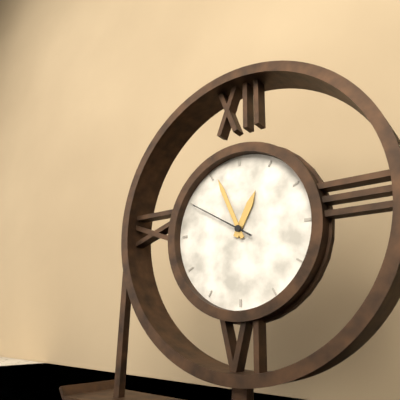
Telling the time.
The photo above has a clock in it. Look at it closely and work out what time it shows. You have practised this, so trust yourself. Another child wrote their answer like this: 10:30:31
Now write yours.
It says 12:56:50
